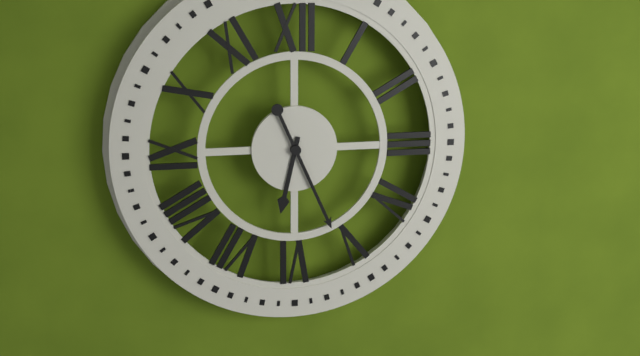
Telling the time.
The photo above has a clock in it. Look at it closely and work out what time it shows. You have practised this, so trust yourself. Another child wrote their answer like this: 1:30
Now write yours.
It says 6:26
